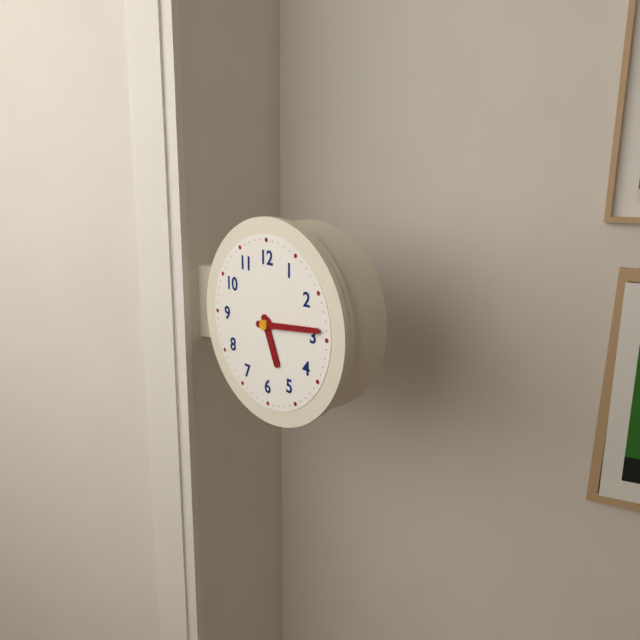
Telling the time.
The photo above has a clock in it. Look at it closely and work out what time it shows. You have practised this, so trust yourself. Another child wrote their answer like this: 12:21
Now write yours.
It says 5:14
